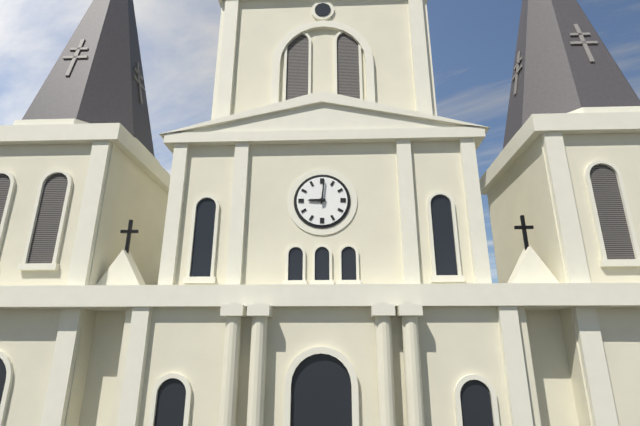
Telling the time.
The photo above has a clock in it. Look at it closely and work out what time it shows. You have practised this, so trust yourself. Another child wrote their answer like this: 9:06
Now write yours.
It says 9:01
